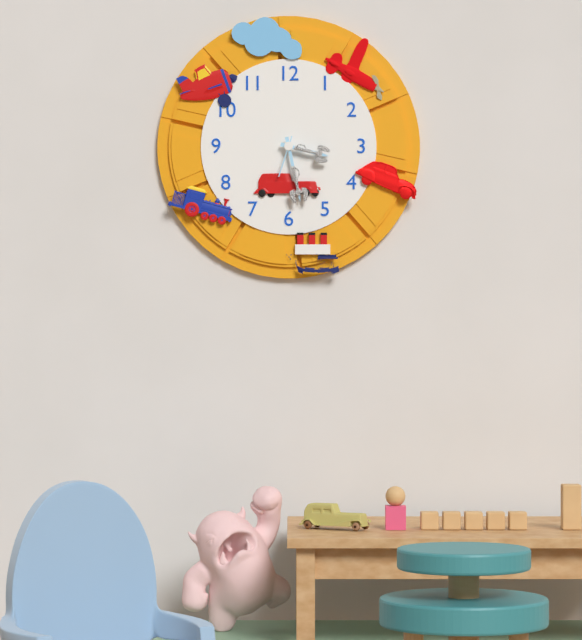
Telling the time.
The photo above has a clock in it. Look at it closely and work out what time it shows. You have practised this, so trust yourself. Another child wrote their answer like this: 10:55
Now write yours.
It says 3:28
